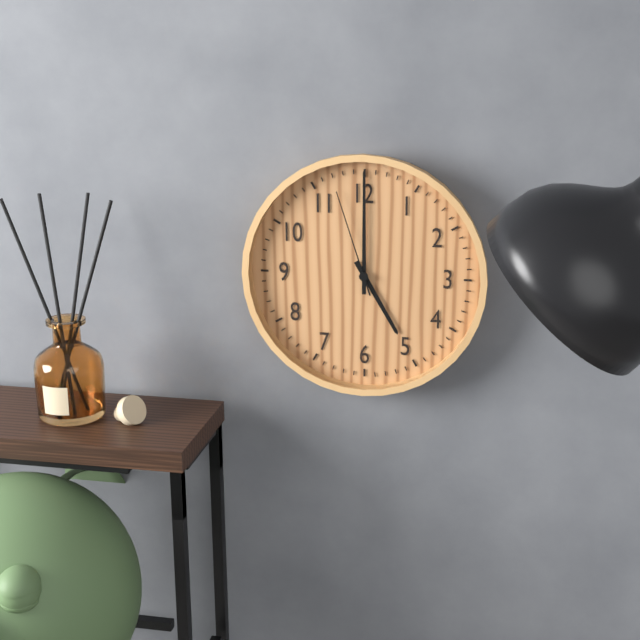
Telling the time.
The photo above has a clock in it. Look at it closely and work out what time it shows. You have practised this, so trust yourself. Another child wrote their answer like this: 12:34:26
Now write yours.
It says 5:00:57
